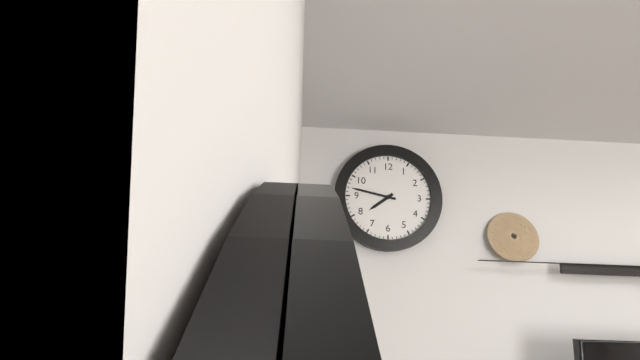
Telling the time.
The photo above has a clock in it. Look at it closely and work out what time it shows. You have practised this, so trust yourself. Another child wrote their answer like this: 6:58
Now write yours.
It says 7:47
